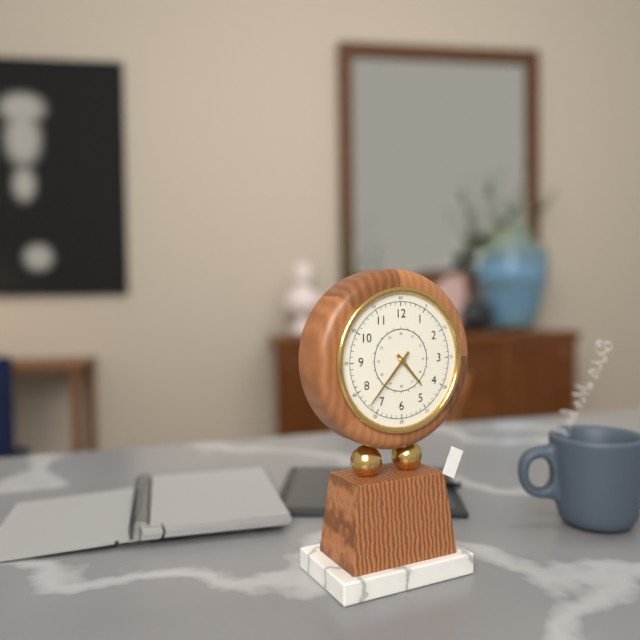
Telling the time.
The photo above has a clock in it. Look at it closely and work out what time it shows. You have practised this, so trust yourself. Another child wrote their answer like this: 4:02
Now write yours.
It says 4:37
